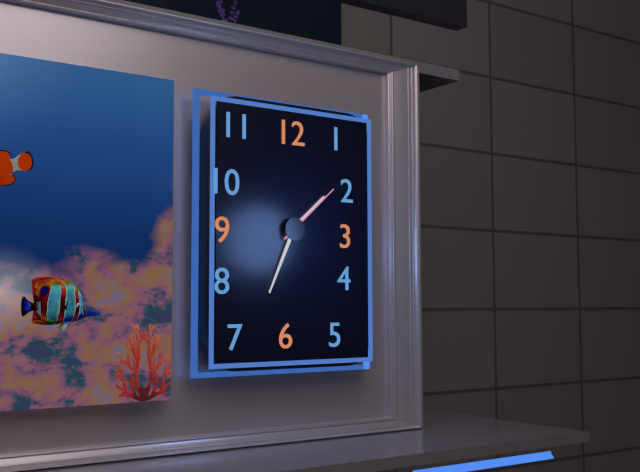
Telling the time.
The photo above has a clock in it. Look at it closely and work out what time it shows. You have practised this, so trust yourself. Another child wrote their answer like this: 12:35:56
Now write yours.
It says 1:34:08
